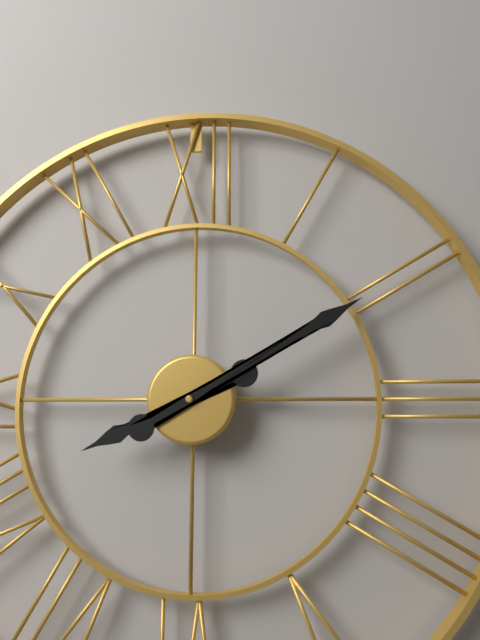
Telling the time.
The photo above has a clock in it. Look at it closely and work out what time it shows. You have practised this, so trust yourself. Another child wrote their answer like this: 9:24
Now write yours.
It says 8:10
